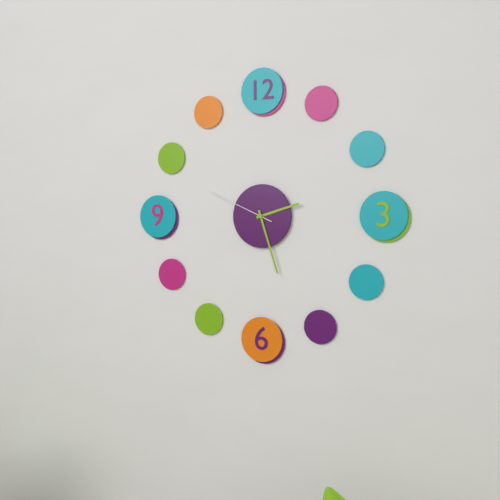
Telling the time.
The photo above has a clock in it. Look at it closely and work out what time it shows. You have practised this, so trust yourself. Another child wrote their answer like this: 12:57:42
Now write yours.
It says 2:27:49
